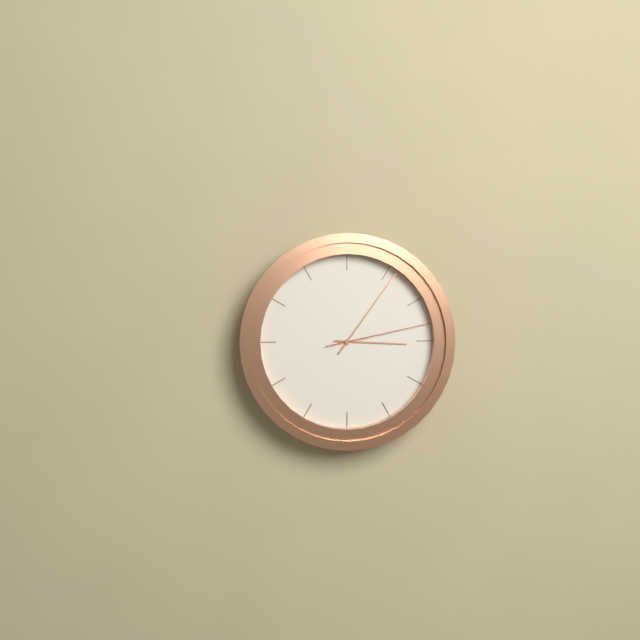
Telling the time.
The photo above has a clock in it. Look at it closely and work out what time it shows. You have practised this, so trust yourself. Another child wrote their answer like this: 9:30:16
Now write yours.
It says 3:06:13
